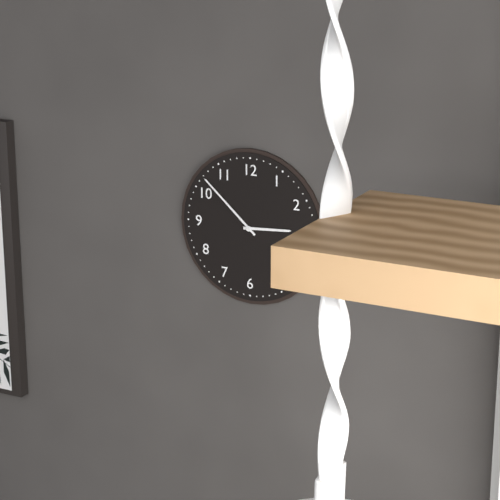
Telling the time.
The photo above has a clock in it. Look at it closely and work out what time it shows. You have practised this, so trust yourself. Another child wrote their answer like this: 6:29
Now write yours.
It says 2:52
